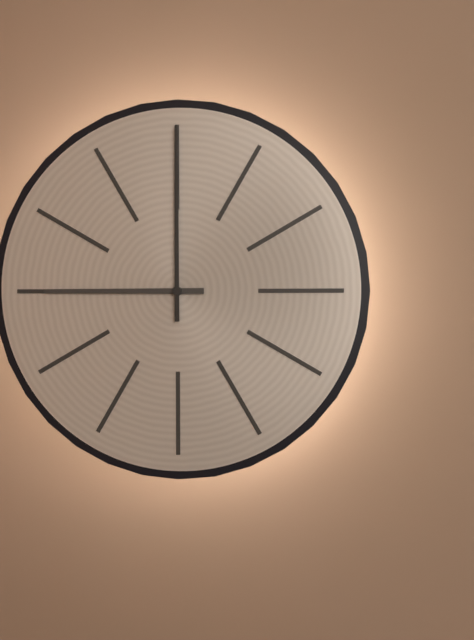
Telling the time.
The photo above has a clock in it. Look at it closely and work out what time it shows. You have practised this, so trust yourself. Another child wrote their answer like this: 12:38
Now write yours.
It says 9:00
